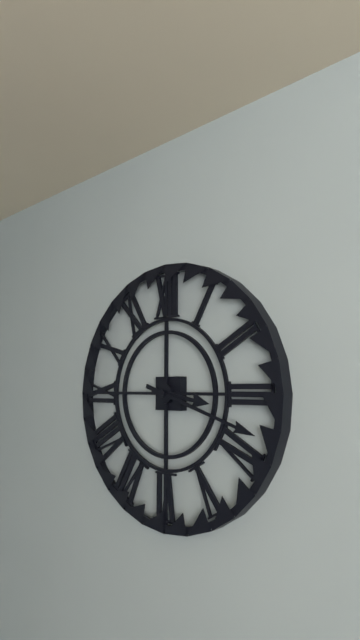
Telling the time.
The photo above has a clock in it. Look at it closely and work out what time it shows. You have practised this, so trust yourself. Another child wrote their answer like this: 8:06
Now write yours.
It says 3:18
